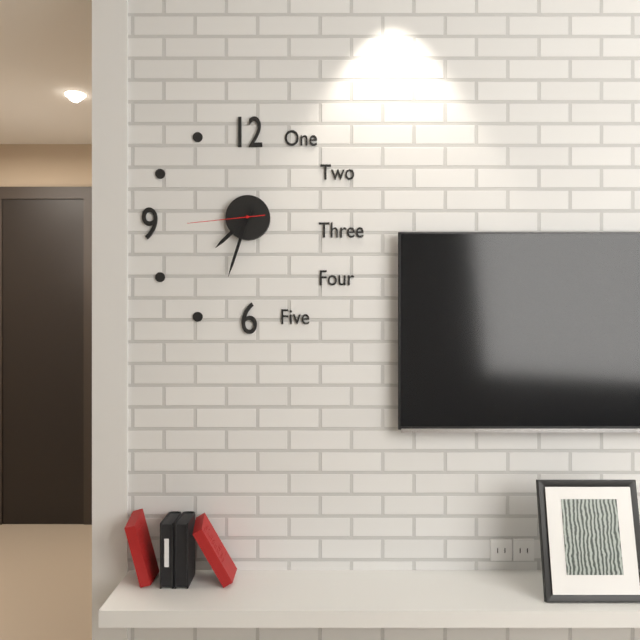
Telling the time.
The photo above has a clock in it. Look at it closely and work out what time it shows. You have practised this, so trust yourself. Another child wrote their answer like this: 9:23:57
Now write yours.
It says 7:33:44
